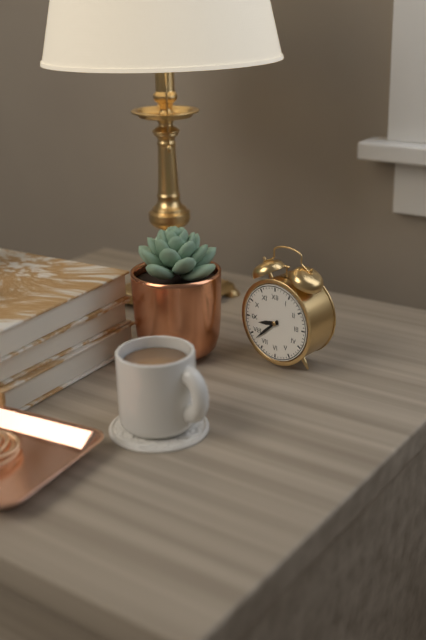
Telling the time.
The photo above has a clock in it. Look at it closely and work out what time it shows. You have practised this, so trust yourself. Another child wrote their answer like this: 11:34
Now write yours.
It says 8:38
